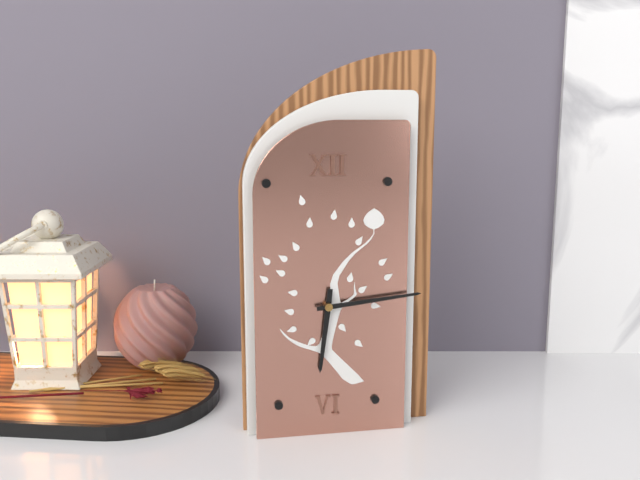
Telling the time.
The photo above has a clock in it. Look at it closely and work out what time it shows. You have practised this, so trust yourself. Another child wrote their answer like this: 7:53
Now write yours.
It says 6:14
